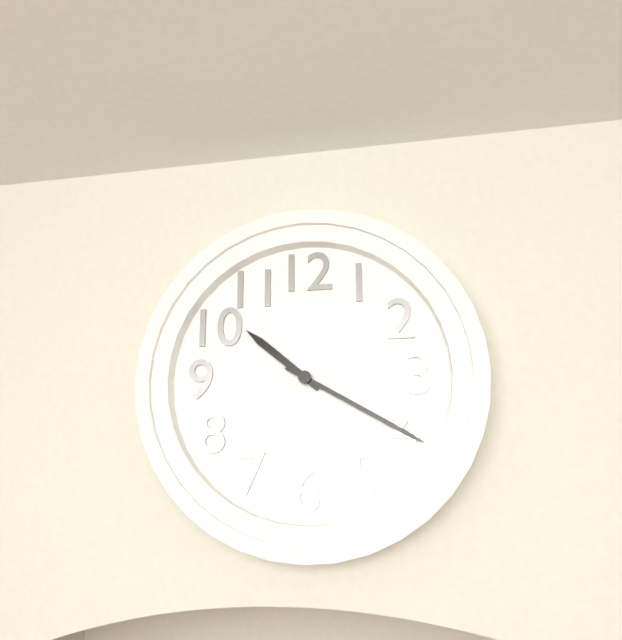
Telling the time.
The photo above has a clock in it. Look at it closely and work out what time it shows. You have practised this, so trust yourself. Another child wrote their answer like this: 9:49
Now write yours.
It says 10:20
